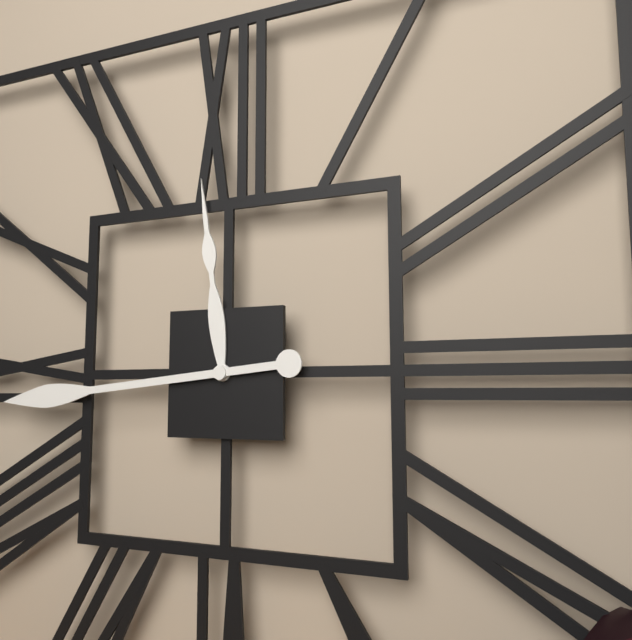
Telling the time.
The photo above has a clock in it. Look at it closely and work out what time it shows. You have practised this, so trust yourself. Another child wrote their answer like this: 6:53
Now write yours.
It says 11:44
